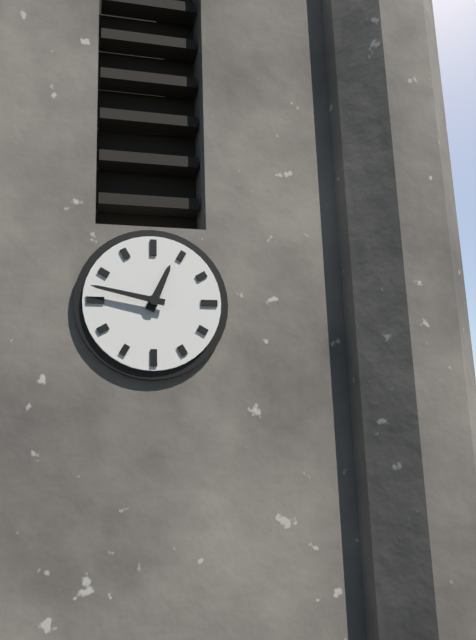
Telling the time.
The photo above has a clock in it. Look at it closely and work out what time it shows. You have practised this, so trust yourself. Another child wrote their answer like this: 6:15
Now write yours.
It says 12:47
